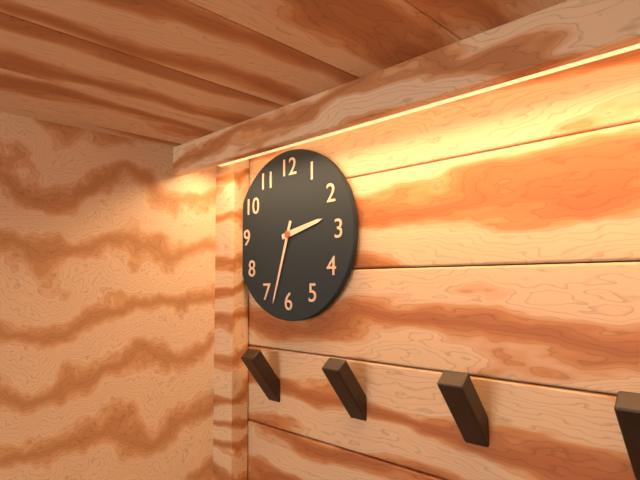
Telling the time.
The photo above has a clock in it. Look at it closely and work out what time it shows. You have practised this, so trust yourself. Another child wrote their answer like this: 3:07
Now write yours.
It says 2:33
